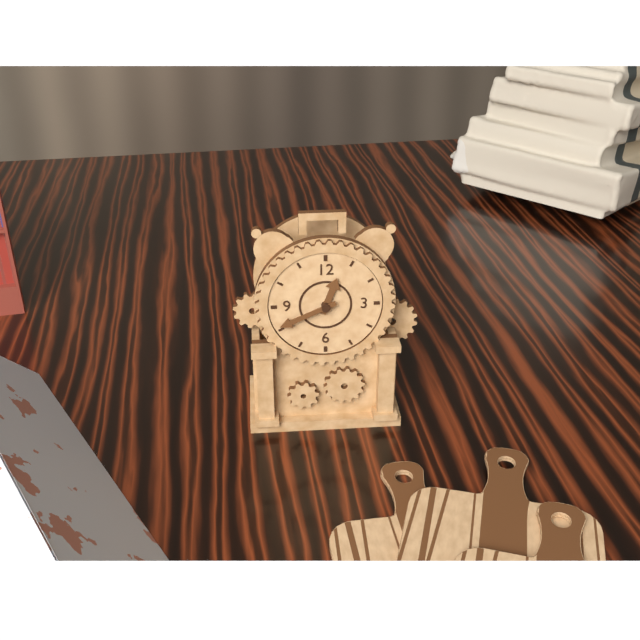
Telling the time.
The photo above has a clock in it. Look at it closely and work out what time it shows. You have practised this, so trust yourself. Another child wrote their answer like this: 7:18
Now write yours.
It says 12:41
